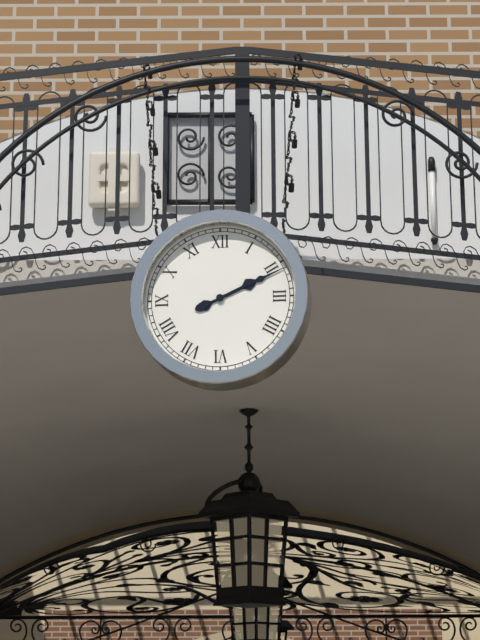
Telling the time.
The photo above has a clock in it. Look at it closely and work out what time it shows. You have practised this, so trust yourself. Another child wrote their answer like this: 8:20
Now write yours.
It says 2:11
